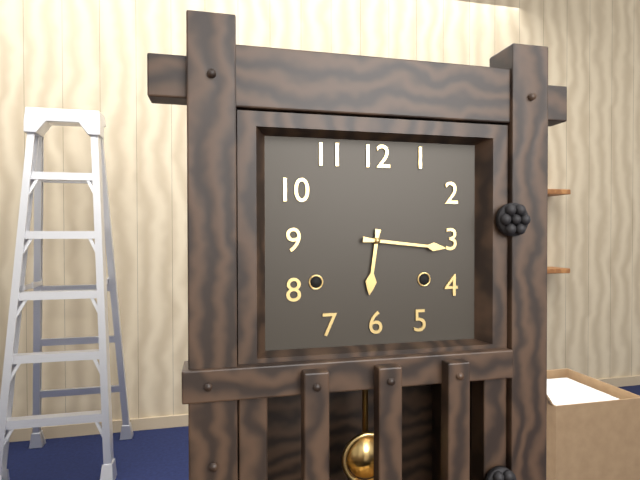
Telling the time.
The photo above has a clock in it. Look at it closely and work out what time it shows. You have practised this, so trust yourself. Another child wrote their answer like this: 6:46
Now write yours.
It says 6:16
